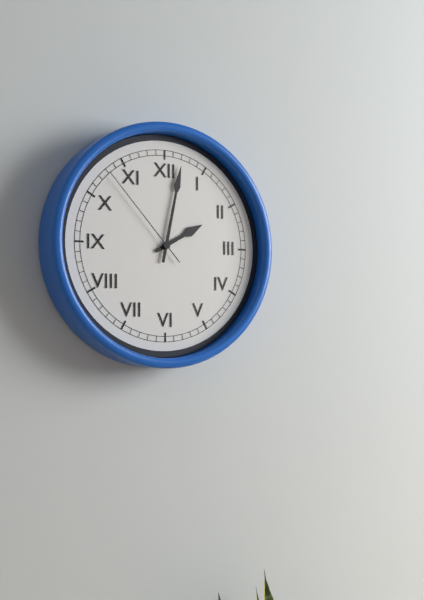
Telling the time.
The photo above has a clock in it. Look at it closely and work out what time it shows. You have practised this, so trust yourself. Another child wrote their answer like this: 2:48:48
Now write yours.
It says 2:02:53
